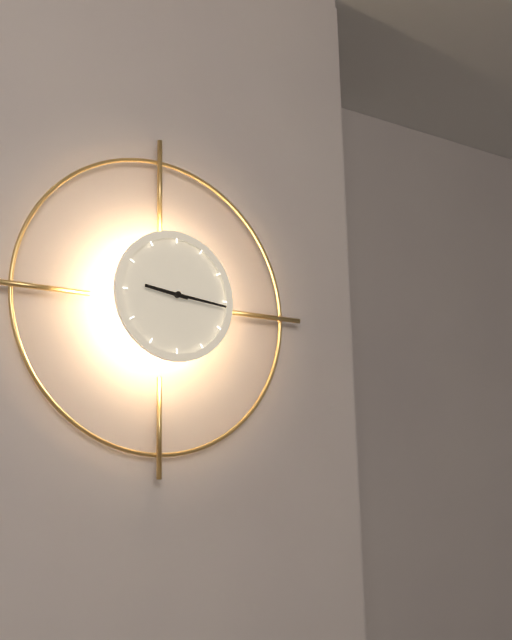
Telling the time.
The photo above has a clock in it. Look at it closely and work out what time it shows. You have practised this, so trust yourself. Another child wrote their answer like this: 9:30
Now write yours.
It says 9:16
